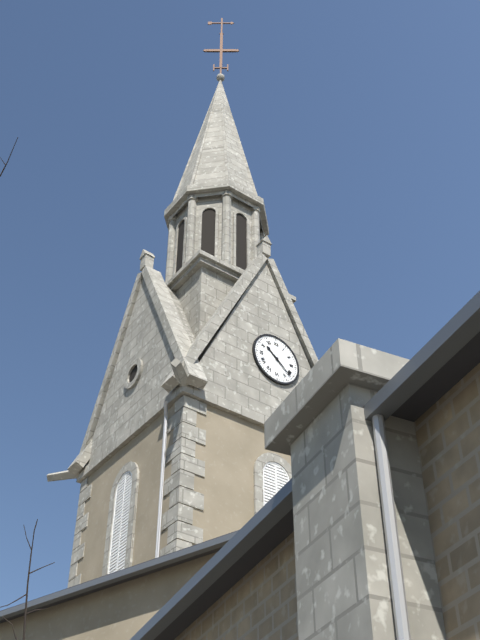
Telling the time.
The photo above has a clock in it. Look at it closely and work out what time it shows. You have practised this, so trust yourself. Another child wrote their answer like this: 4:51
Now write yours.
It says 10:22
